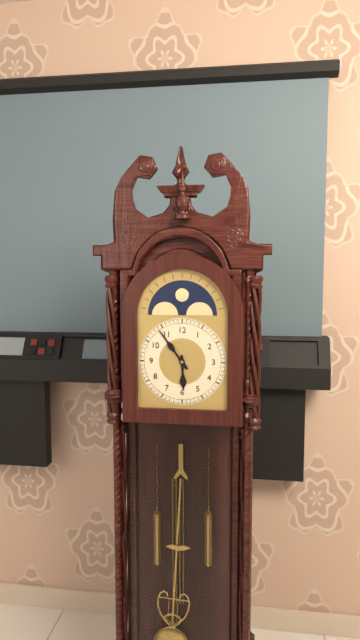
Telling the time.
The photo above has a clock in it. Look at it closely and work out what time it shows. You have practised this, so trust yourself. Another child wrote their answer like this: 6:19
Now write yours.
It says 5:54
